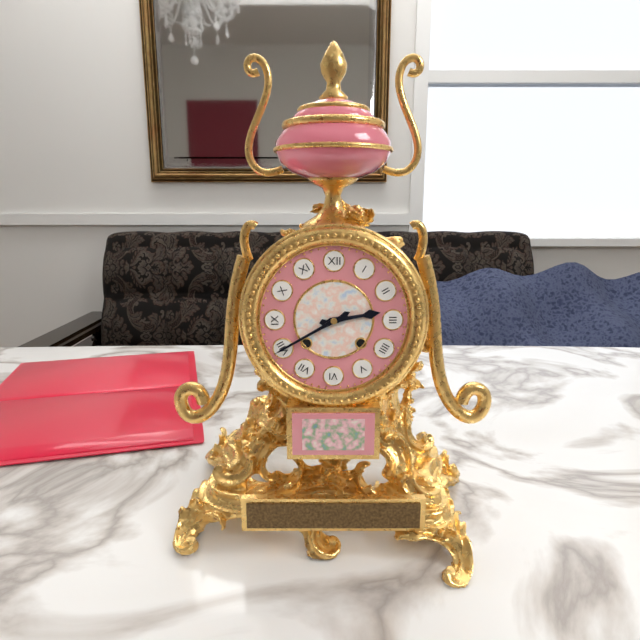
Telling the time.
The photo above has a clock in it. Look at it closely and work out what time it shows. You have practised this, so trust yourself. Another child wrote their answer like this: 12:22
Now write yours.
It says 2:40
